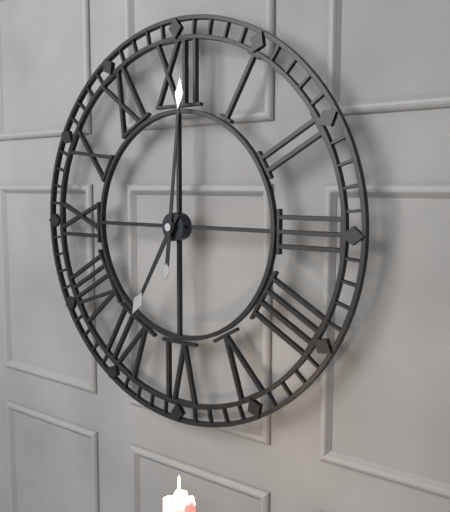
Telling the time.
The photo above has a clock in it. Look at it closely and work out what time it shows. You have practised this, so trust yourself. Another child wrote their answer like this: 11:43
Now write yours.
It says 7:01
